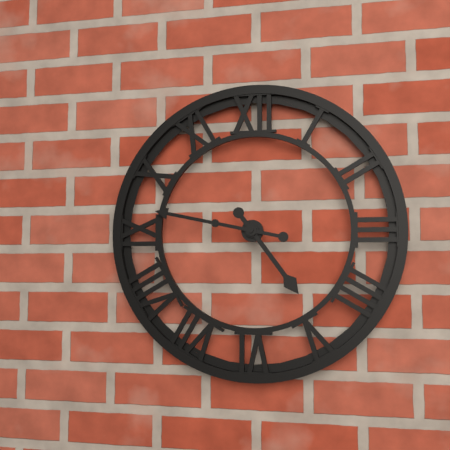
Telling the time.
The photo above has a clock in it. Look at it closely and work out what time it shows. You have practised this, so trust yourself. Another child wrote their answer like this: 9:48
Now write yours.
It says 4:47
